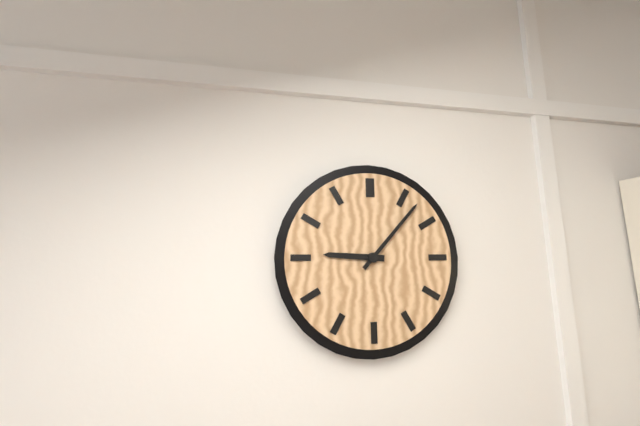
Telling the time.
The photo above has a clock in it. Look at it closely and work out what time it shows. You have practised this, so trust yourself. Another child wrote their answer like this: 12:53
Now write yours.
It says 9:07
